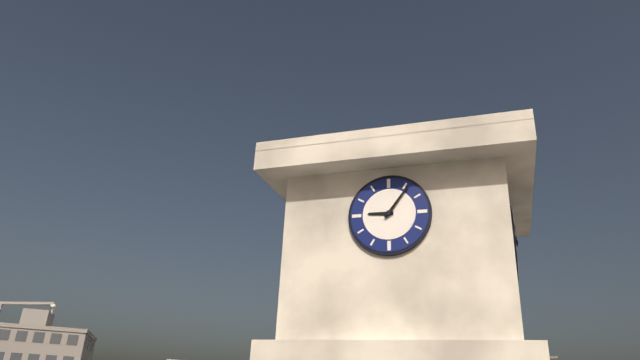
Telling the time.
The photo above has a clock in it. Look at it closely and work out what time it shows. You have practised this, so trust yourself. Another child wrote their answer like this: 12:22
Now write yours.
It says 9:06
